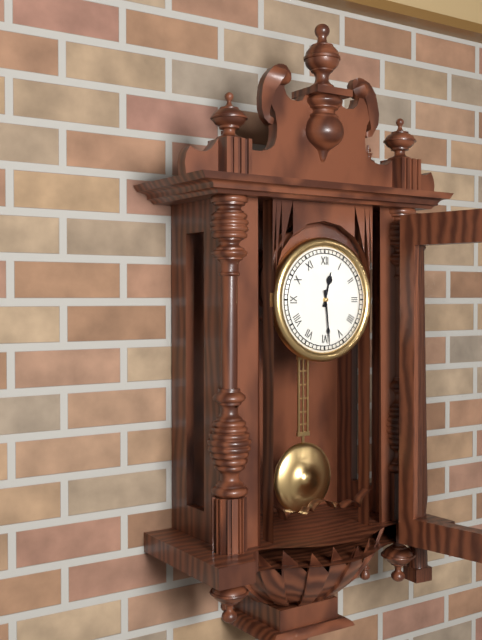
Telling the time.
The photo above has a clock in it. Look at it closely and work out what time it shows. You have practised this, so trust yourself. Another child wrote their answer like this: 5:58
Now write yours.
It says 12:29
